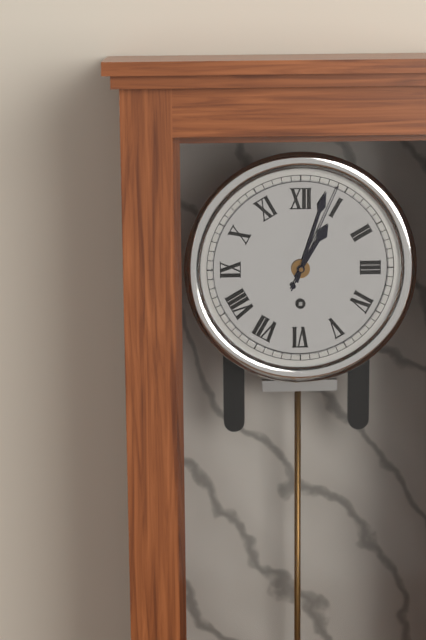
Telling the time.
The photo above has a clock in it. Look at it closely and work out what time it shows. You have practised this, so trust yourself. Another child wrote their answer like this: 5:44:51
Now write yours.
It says 1:03:04
